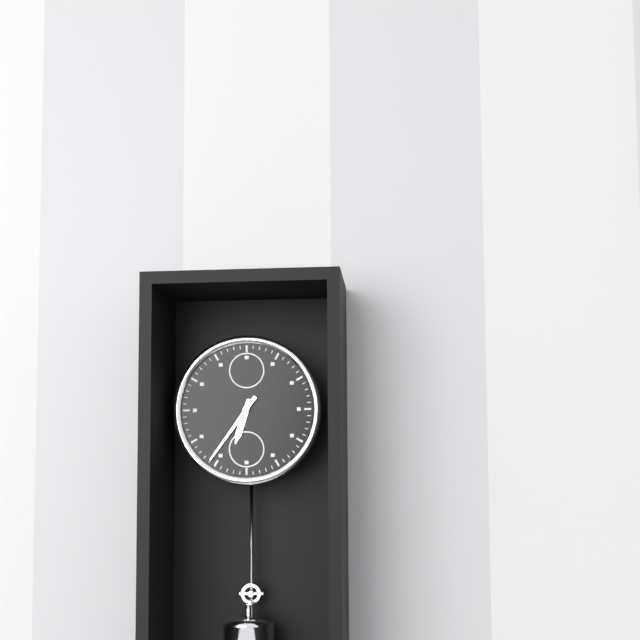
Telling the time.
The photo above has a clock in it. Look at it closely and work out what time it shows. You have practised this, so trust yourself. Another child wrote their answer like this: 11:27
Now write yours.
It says 6:36
